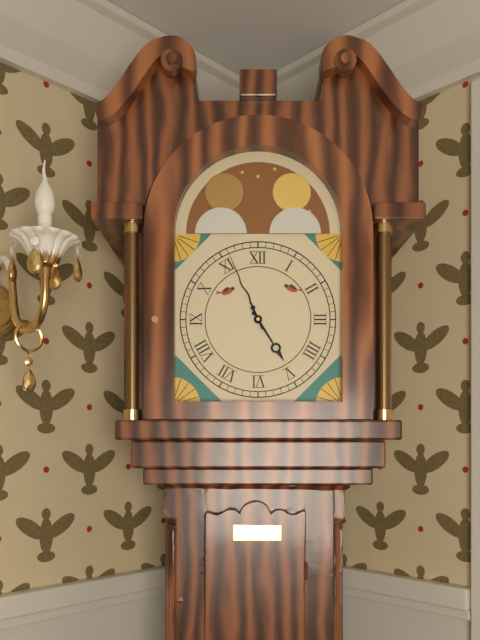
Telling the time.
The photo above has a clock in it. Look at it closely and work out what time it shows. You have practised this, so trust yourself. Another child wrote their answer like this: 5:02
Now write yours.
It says 4:56
